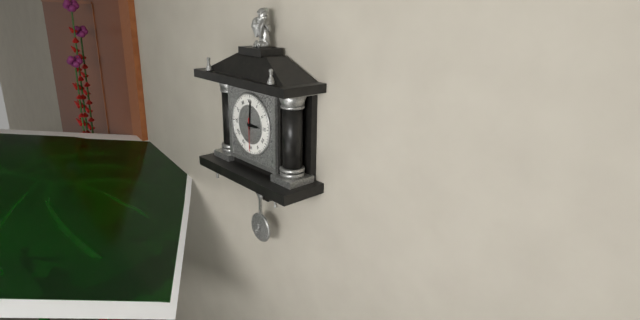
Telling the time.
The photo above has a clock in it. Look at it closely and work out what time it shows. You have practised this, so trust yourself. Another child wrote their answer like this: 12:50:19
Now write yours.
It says 3:01:30
